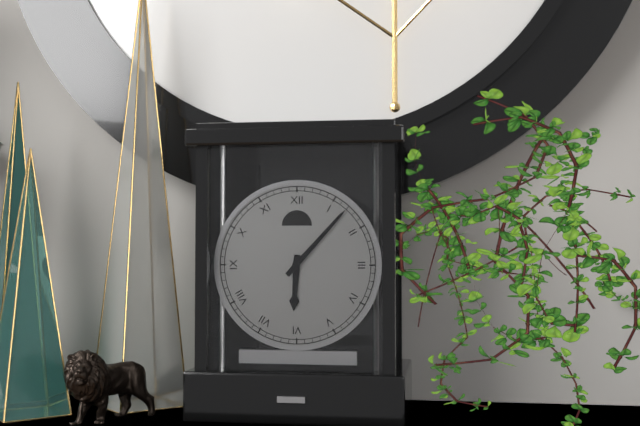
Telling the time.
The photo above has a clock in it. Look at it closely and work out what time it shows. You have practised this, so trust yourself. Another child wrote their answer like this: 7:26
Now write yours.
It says 6:07
